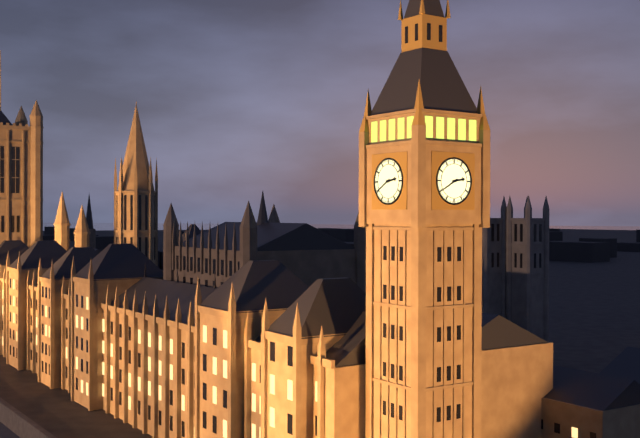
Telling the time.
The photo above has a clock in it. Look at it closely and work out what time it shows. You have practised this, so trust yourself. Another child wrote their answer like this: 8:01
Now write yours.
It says 2:40
